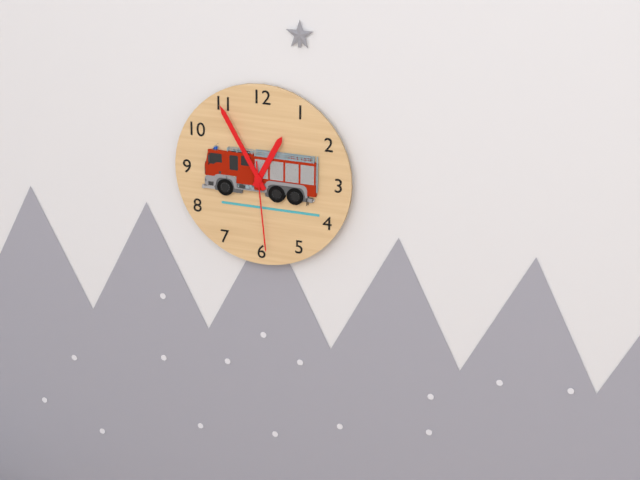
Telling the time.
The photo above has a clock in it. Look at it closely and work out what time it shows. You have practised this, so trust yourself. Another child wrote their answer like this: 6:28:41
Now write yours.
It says 12:55:29
